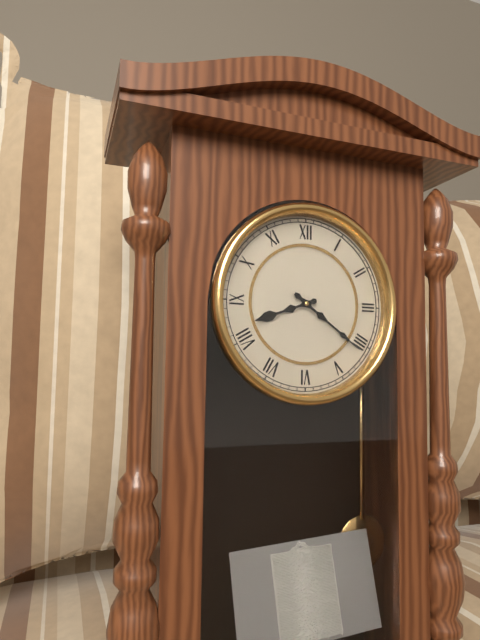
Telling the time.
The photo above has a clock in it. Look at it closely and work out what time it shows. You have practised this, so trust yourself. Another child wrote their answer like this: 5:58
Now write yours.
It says 8:21
